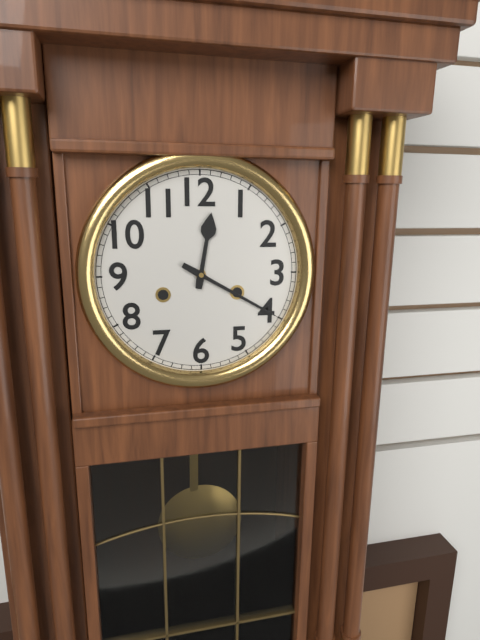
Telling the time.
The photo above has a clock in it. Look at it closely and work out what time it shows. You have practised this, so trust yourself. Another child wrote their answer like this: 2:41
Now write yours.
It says 12:20
